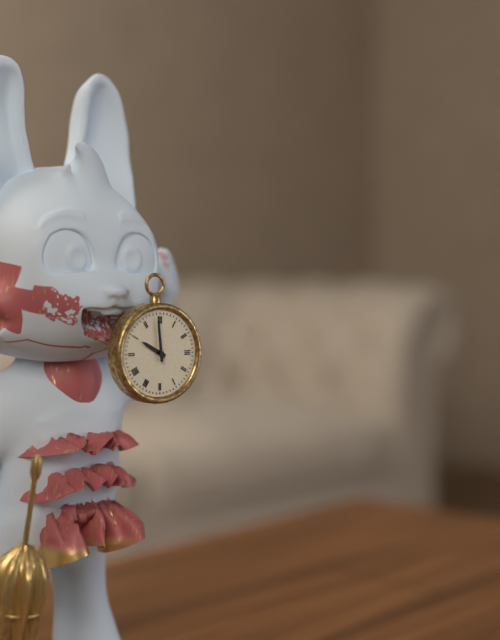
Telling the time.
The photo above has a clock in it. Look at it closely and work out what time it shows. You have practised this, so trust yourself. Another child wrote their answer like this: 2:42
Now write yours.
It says 9:59
